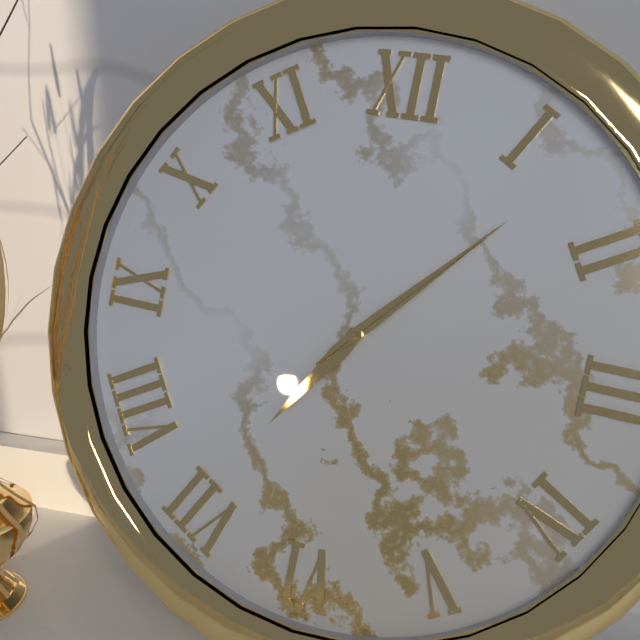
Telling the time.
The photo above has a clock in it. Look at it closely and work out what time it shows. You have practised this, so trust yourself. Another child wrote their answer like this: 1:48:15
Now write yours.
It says 7:07:07
